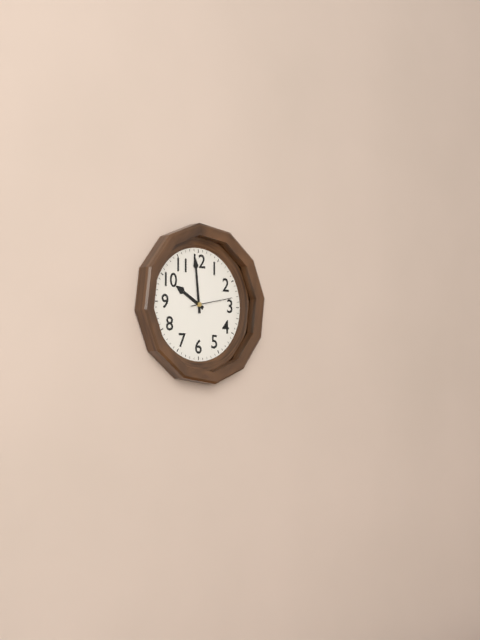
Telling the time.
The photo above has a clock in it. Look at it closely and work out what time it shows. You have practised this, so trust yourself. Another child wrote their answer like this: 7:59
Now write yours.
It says 9:59
